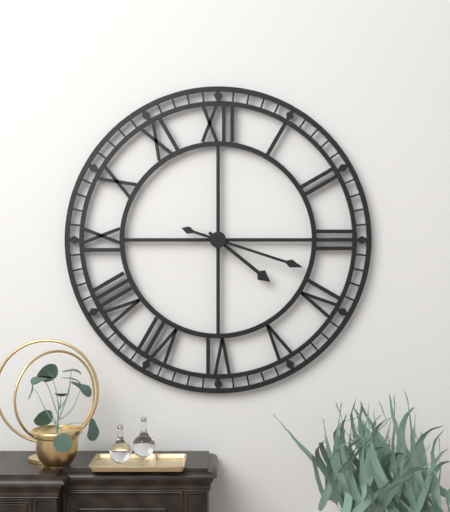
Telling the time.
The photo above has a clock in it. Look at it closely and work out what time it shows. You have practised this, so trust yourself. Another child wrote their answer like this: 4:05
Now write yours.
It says 4:18
